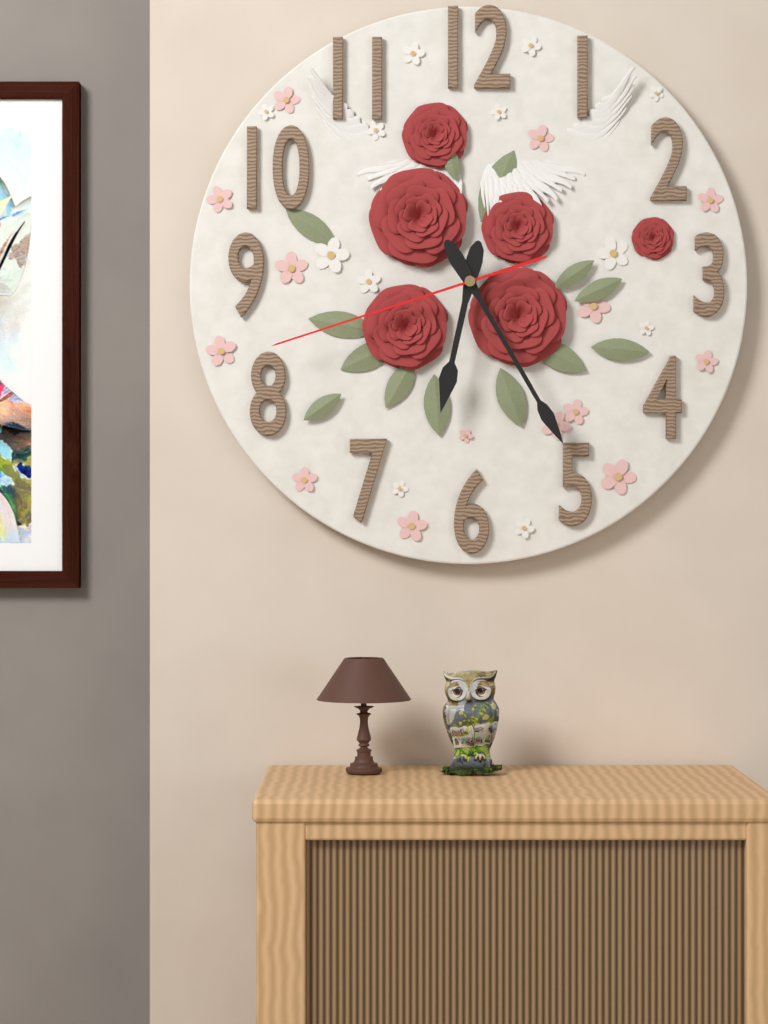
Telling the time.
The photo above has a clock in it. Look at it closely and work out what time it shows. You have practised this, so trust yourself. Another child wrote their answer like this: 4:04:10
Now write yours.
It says 6:25:42
